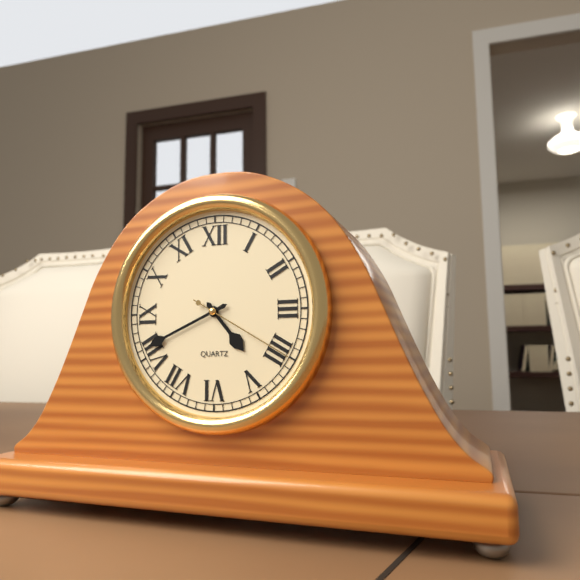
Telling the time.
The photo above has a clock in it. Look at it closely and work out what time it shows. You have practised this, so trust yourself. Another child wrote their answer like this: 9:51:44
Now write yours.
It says 4:41:20
